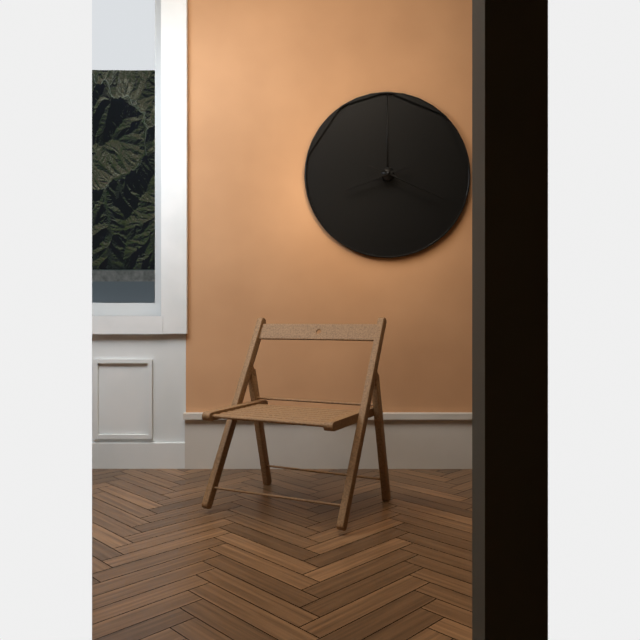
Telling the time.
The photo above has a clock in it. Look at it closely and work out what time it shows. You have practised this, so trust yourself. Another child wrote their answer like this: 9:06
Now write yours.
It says 8:19
